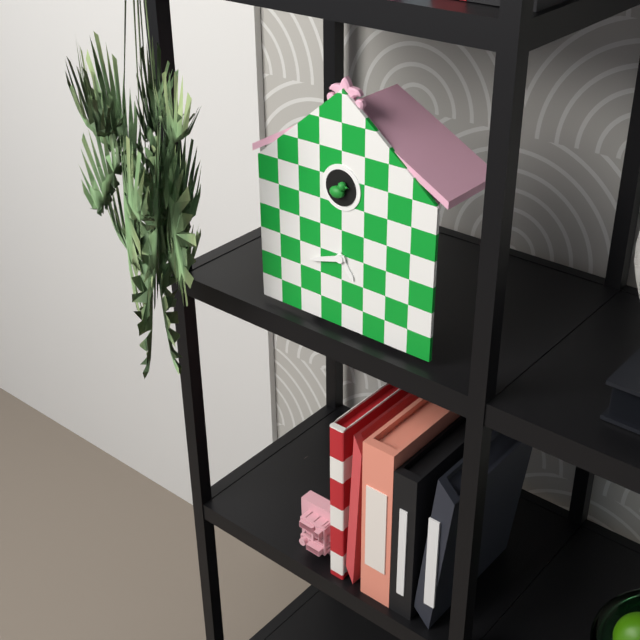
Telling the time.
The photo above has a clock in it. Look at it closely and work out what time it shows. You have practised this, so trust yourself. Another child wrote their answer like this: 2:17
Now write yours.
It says 4:42
